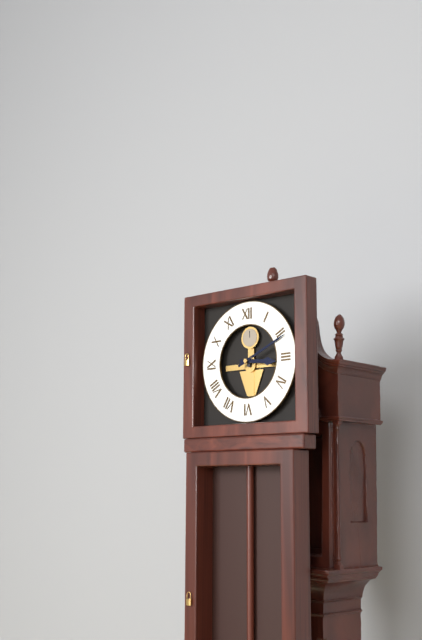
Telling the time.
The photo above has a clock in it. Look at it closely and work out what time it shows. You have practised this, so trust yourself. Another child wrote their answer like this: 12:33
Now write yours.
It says 3:11
